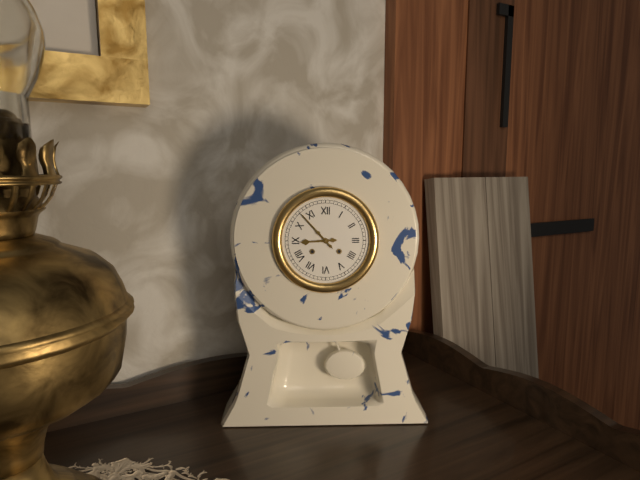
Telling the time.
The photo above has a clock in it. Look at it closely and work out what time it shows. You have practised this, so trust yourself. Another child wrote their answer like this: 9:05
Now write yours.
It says 8:53
